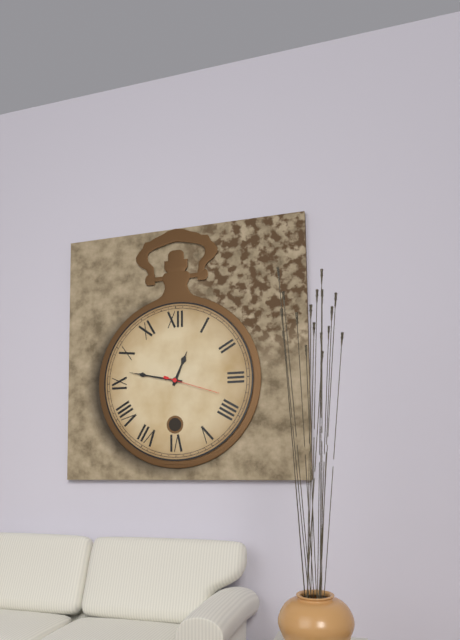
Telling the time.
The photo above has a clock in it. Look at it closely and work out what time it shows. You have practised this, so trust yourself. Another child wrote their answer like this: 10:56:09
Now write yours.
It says 12:47:18
